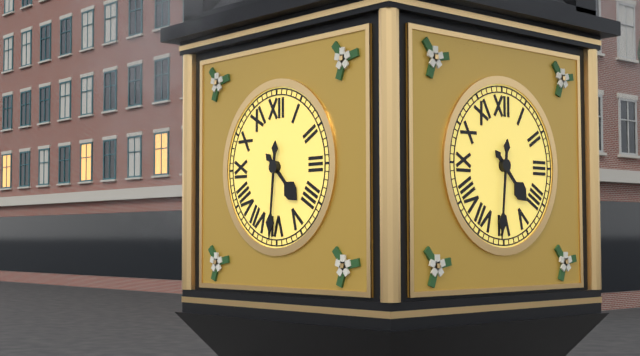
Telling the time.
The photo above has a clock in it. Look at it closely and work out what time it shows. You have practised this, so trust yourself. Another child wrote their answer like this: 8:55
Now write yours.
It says 4:31
